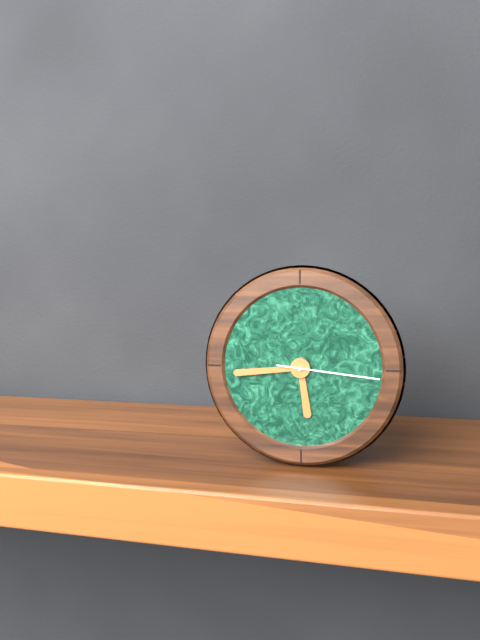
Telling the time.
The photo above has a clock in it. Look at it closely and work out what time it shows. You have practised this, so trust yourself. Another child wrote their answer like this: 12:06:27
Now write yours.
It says 5:44:16
